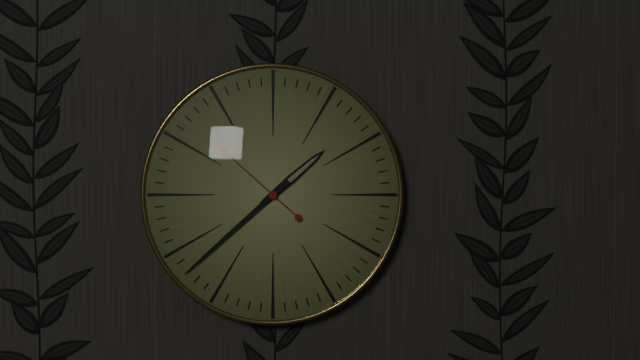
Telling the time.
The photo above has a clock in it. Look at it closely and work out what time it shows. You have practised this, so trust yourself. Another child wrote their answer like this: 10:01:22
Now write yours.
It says 1:38:52
